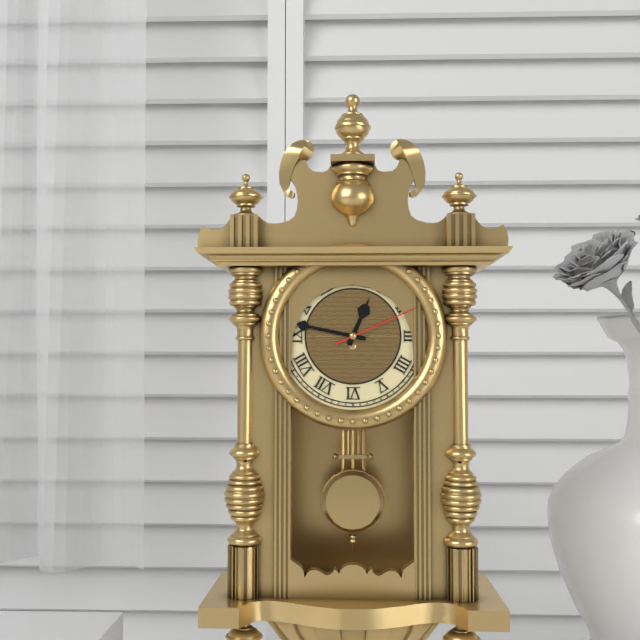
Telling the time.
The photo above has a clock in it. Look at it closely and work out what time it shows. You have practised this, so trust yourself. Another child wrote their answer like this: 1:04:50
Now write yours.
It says 12:47:11
